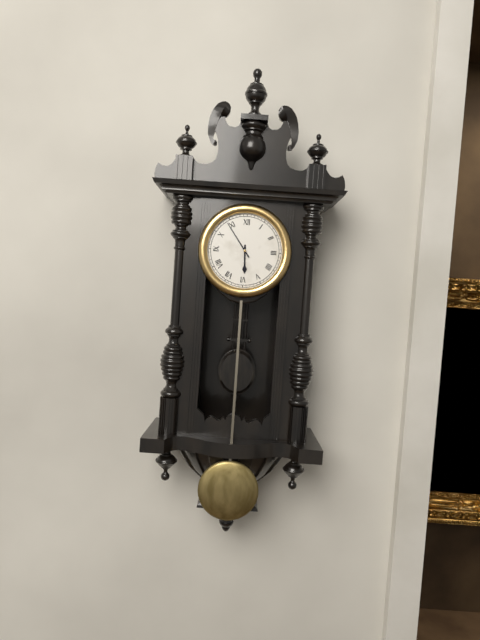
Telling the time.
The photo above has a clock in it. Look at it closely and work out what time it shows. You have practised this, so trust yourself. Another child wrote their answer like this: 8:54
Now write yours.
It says 5:54
